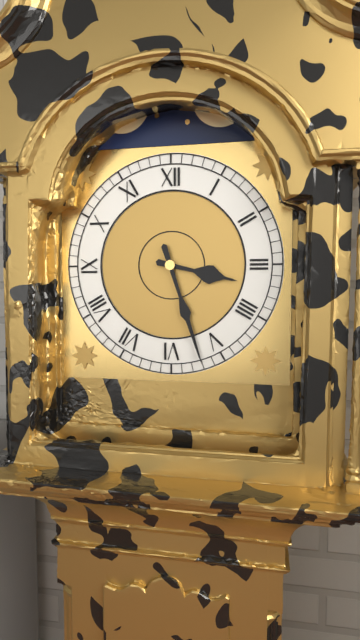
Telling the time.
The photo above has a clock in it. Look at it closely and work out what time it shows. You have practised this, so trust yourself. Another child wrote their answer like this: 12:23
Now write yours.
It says 3:27
